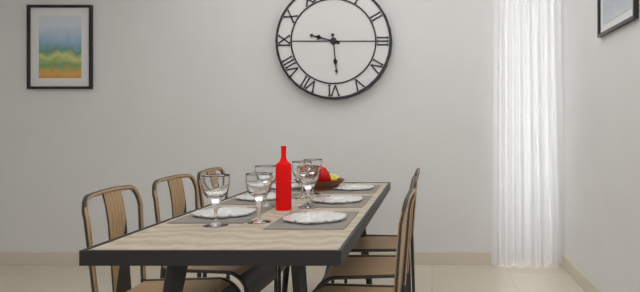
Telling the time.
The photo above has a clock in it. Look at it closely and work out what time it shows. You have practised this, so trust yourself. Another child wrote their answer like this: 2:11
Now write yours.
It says 9:29
